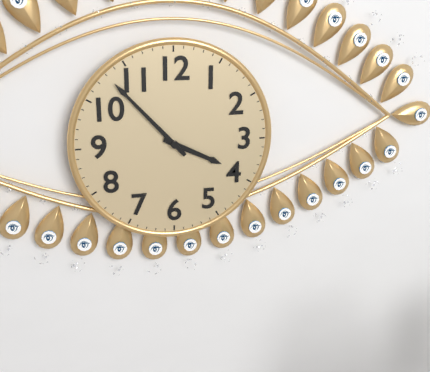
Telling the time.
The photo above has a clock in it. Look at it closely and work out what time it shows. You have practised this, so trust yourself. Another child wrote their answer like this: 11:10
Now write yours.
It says 3:53
